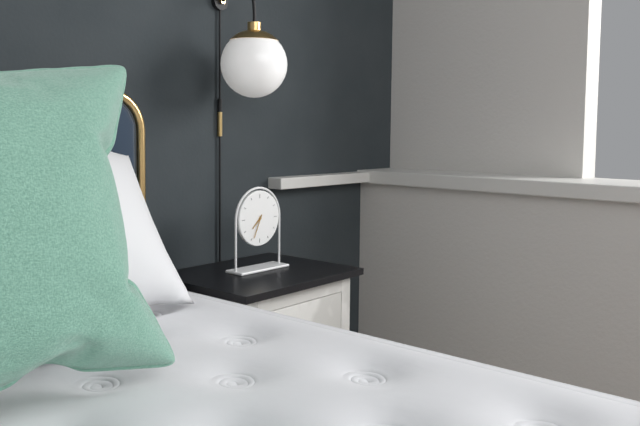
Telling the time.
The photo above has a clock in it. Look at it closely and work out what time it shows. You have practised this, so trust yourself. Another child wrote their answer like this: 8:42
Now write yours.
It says 7:34
